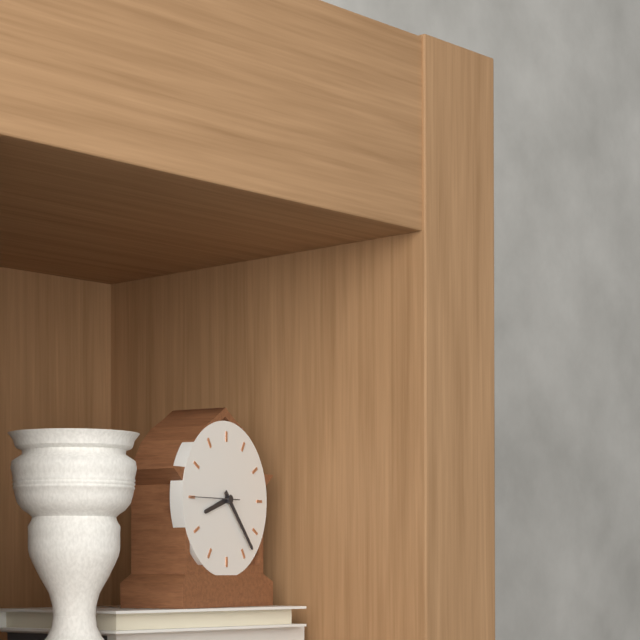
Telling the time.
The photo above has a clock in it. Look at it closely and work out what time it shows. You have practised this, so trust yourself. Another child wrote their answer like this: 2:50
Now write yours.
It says 8:23
